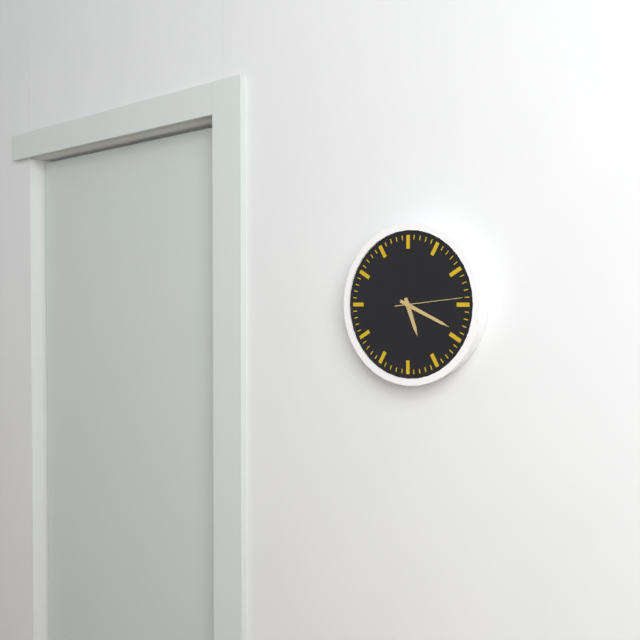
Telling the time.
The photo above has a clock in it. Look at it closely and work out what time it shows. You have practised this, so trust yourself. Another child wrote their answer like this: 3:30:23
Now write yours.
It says 5:19:14
